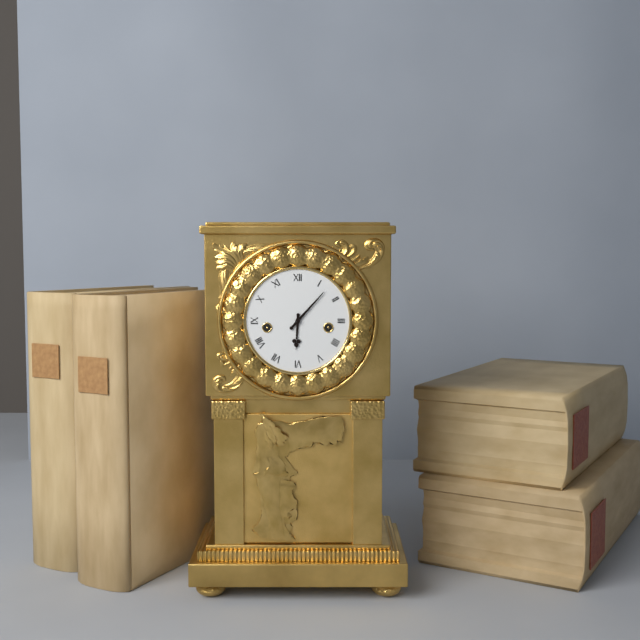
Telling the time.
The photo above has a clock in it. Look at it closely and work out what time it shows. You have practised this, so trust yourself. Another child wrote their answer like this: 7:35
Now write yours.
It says 6:07
